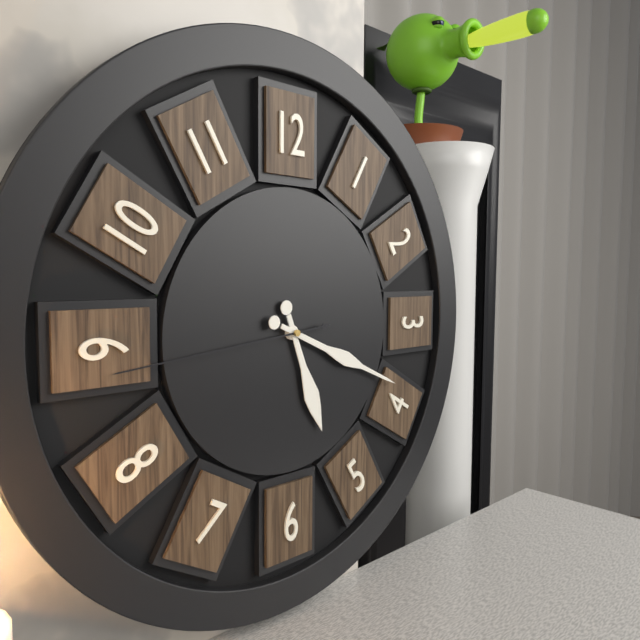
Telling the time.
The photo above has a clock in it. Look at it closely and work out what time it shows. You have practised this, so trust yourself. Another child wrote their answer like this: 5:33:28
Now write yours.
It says 5:19:44
